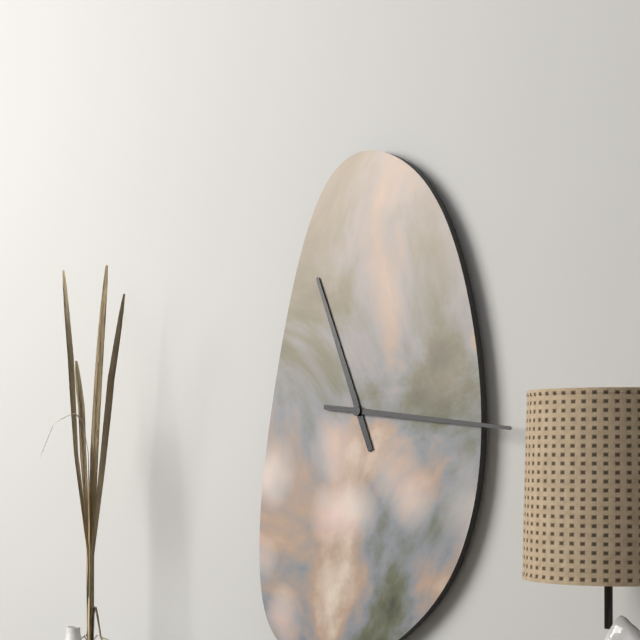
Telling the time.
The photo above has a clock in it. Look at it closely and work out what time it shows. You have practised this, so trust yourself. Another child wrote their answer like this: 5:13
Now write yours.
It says 11:16
